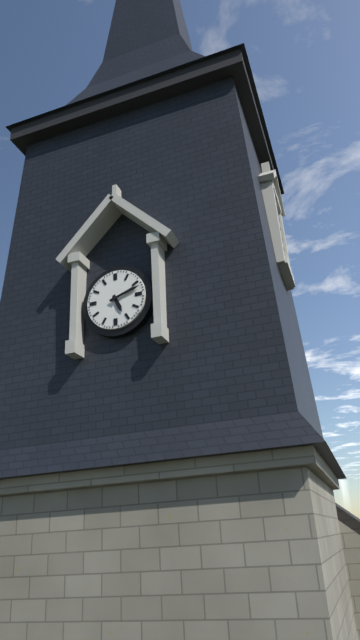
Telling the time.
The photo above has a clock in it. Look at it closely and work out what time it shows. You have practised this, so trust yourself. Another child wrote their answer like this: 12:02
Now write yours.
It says 5:12
